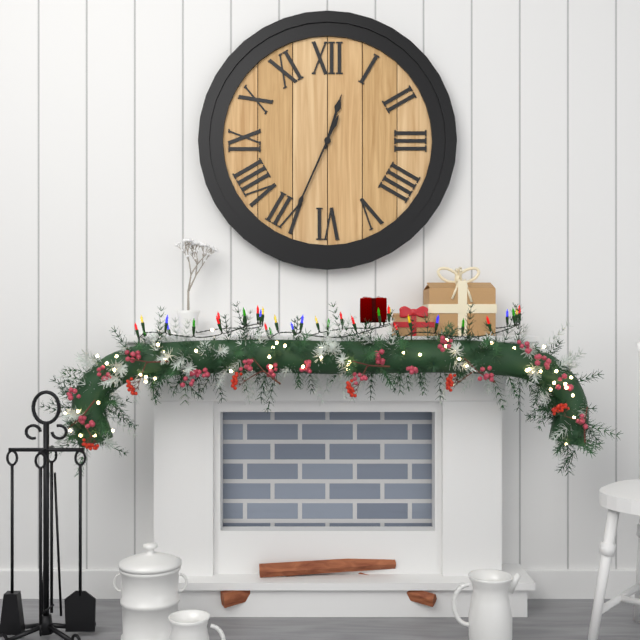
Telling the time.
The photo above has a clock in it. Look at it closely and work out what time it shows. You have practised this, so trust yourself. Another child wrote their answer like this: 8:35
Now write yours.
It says 12:34
